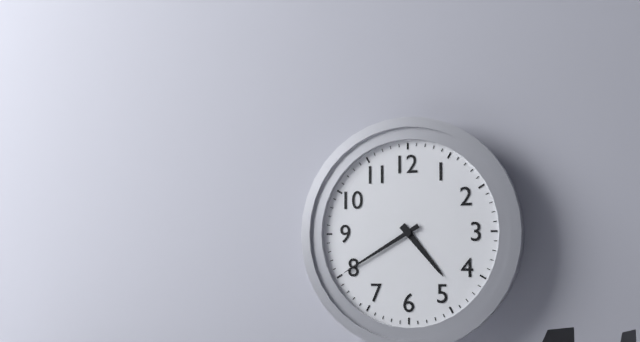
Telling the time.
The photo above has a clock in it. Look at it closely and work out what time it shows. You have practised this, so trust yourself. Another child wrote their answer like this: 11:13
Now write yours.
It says 4:40
